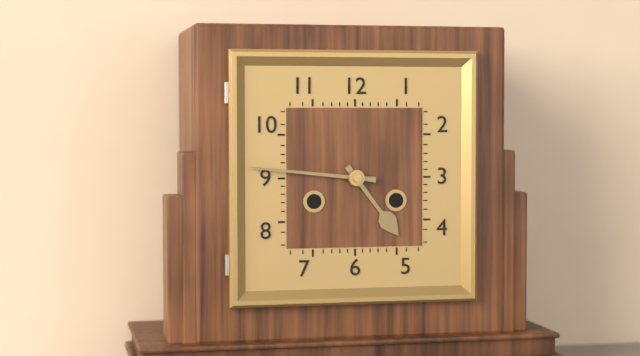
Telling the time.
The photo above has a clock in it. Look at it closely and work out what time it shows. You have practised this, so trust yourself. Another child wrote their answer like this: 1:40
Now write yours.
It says 4:46
